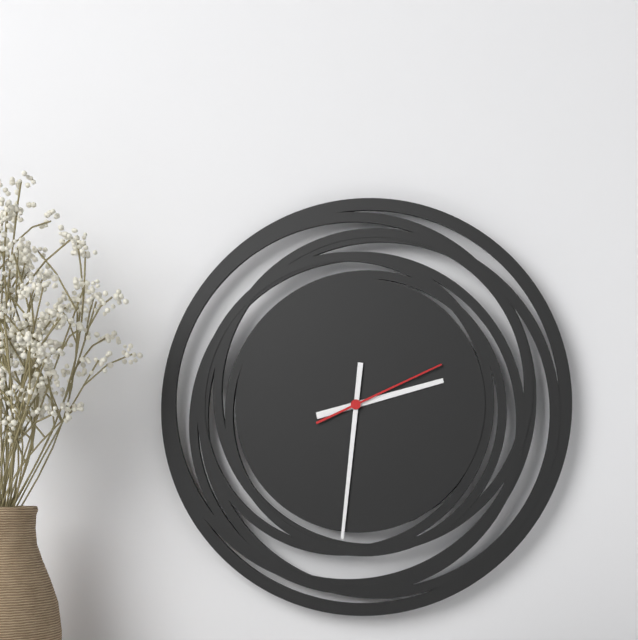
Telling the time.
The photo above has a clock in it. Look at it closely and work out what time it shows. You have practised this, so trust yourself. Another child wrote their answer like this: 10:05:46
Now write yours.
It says 2:31:11
